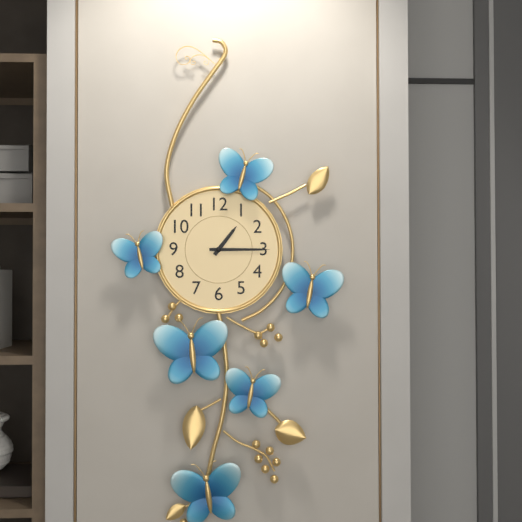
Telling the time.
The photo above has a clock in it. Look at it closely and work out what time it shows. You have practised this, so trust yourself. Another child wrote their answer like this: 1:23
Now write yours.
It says 1:15
